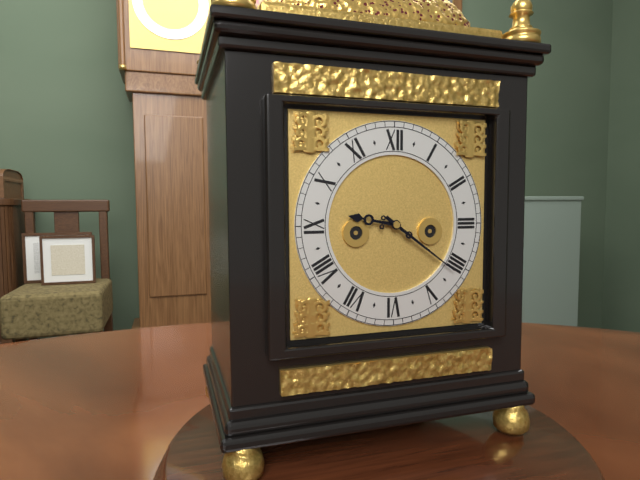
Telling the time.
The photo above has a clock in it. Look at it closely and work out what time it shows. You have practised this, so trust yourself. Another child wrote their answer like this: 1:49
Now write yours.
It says 9:21
